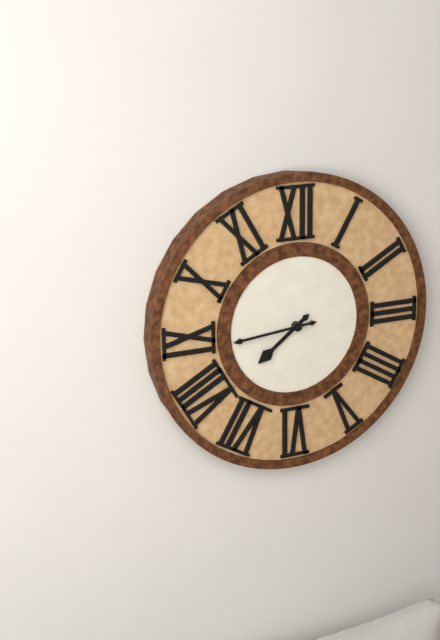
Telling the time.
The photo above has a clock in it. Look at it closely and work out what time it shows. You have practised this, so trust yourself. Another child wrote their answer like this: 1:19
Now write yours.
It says 7:44
